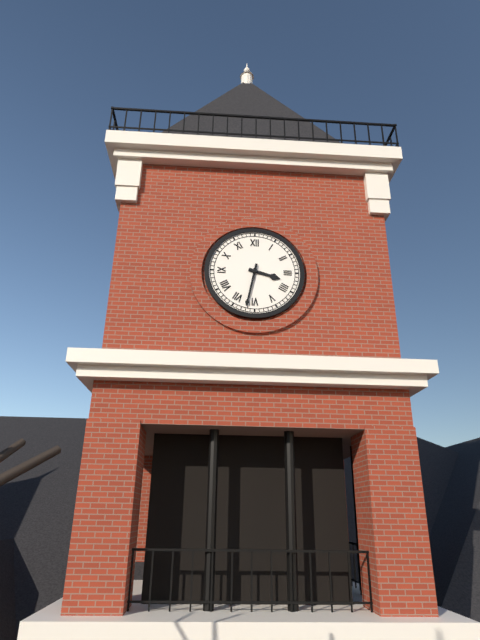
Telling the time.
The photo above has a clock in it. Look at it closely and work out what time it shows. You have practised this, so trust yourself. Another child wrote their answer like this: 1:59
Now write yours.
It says 3:32
